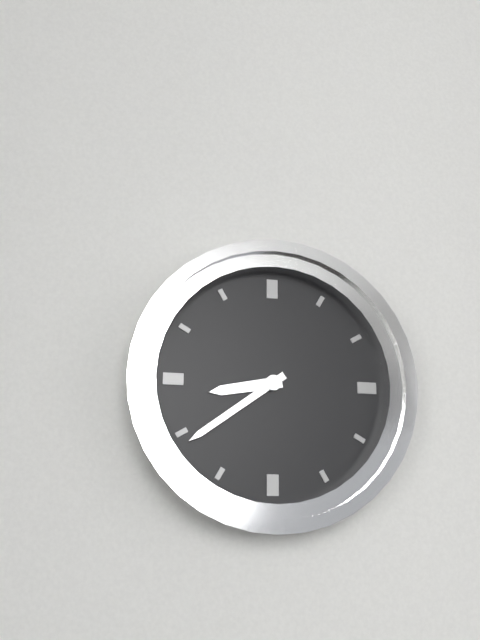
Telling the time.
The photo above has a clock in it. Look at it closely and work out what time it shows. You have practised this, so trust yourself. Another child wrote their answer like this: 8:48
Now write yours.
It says 8:39
